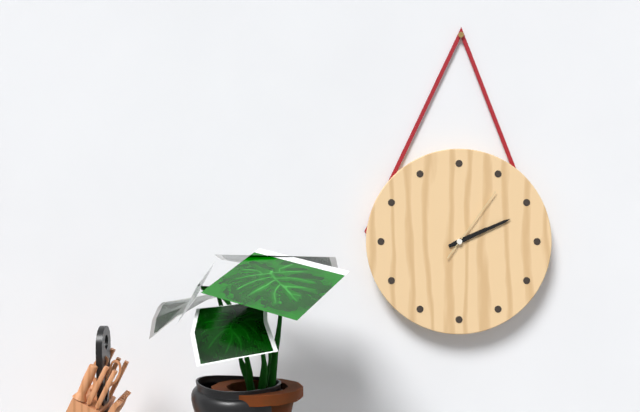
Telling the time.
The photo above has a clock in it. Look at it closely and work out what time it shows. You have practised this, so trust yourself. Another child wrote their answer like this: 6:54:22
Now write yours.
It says 2:11:06
